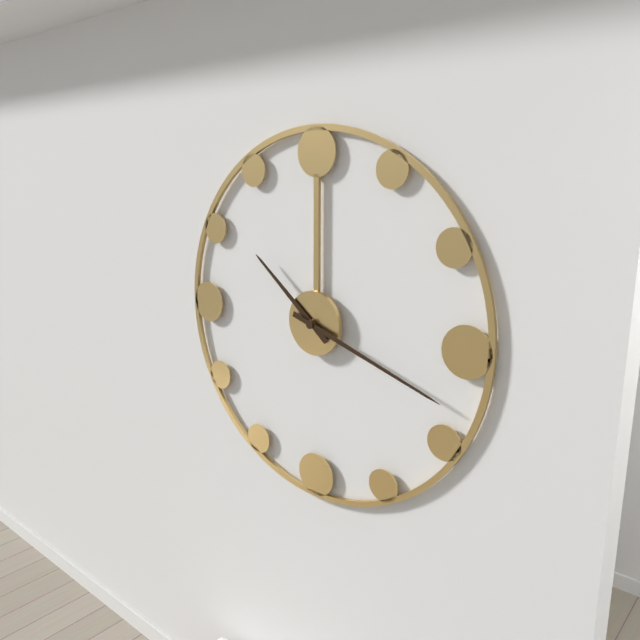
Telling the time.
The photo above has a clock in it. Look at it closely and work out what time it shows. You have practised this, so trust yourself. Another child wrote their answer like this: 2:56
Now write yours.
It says 10:18
